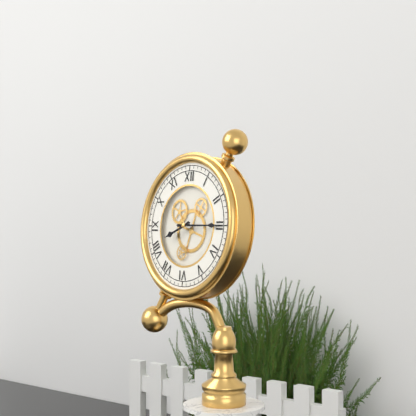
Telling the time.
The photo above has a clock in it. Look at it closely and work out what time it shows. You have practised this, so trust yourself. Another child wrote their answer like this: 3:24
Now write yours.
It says 8:15
